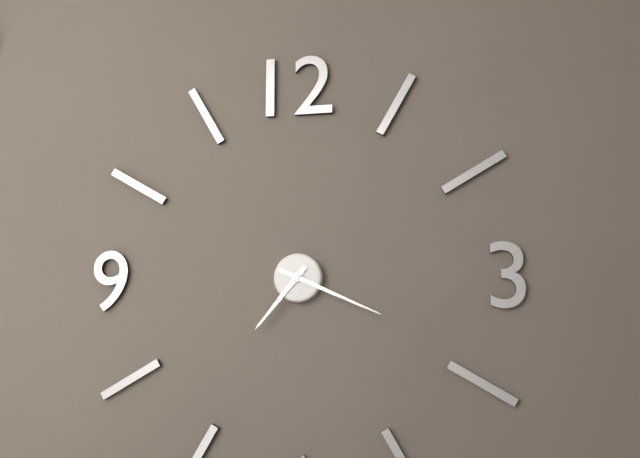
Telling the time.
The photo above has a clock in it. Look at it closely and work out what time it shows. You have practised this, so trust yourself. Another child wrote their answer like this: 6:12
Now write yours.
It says 7:19
